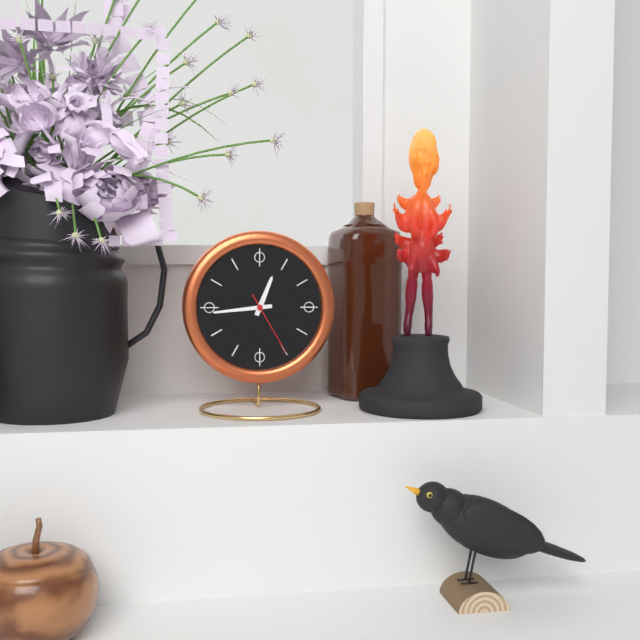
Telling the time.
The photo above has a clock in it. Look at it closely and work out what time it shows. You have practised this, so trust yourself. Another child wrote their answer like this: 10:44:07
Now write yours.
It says 12:44:25
